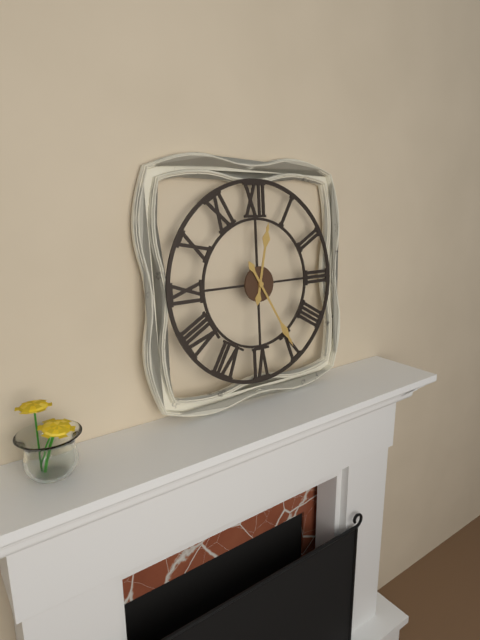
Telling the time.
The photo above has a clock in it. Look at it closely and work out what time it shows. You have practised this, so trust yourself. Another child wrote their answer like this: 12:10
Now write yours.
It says 12:25
